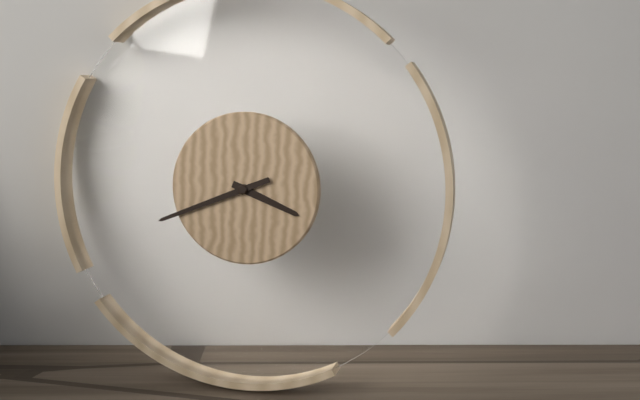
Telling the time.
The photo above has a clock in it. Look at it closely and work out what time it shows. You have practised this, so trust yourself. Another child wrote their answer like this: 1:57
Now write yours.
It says 3:41
